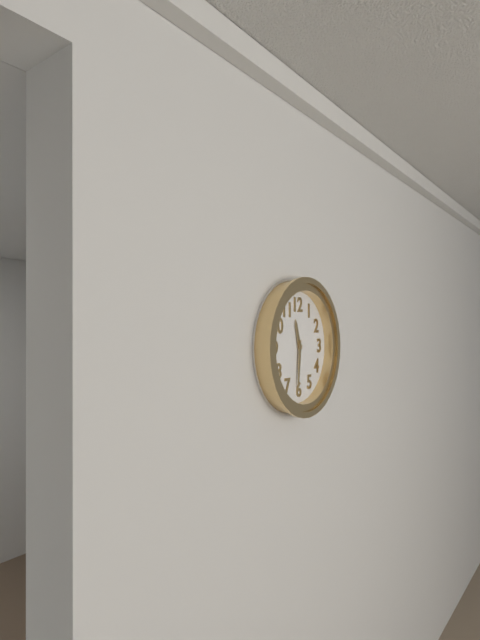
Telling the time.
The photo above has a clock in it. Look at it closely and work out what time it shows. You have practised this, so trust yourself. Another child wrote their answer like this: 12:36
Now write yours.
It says 11:31
